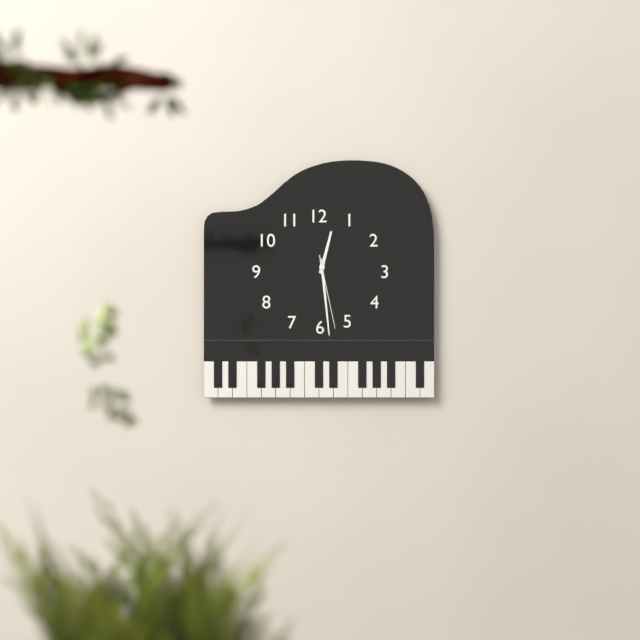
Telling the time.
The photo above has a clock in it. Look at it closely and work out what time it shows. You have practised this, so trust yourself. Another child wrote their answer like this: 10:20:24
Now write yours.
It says 12:29:28
